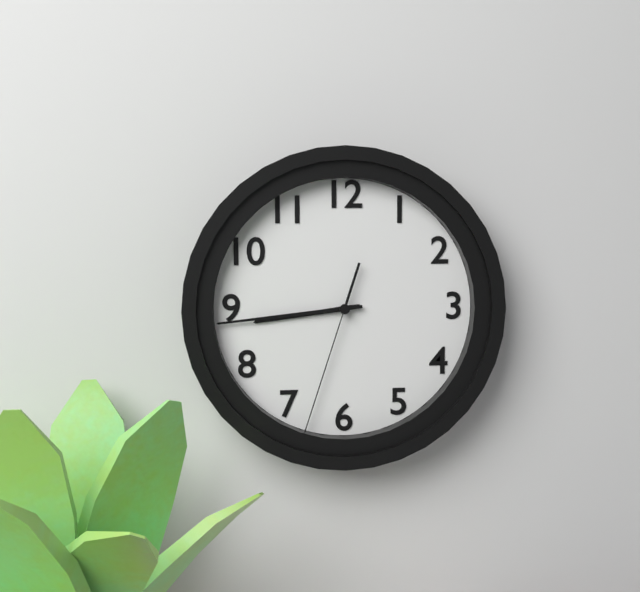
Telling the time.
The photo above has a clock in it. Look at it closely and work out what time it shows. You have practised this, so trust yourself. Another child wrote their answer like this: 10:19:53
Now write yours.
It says 8:44:33
